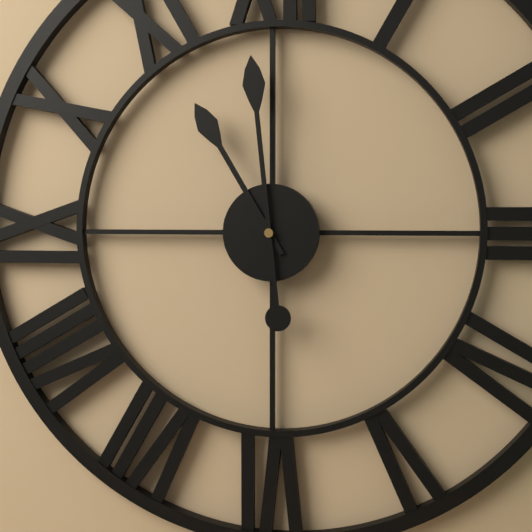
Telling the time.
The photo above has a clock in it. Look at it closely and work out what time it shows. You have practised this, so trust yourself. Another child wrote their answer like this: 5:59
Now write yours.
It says 10:59
